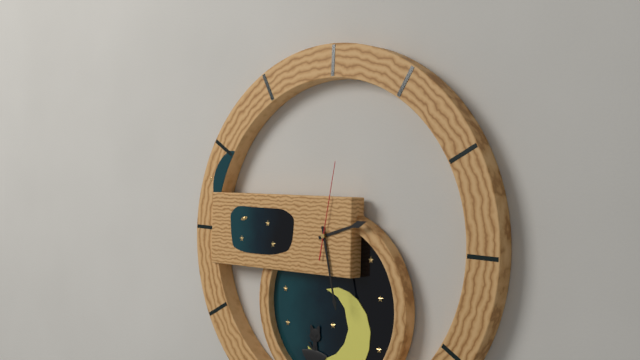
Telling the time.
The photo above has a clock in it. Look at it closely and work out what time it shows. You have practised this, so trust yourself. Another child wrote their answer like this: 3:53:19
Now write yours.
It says 2:28:02
